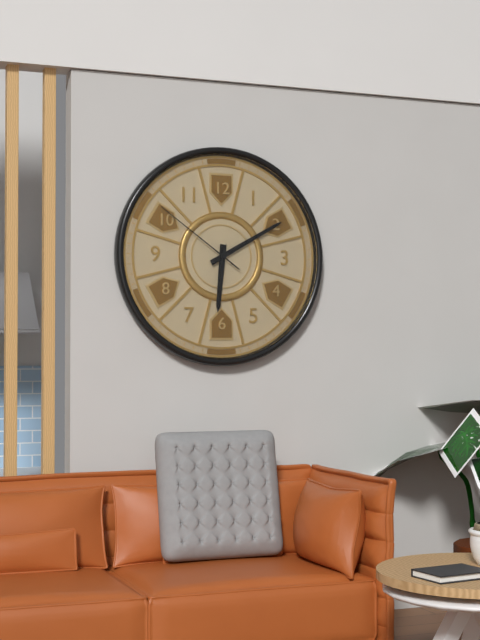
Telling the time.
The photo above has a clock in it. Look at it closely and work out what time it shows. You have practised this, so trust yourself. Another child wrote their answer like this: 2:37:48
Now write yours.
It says 6:10:51
